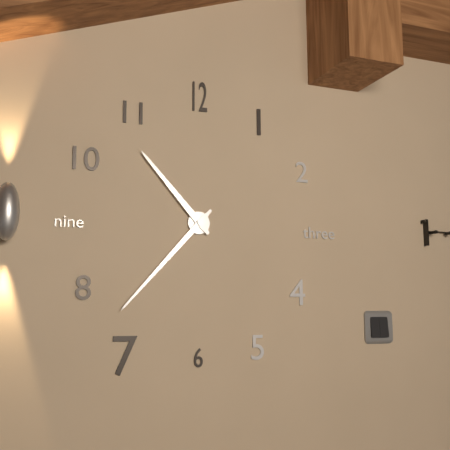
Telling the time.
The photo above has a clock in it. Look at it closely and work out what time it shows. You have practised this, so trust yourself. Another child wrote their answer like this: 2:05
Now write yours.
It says 10:37
